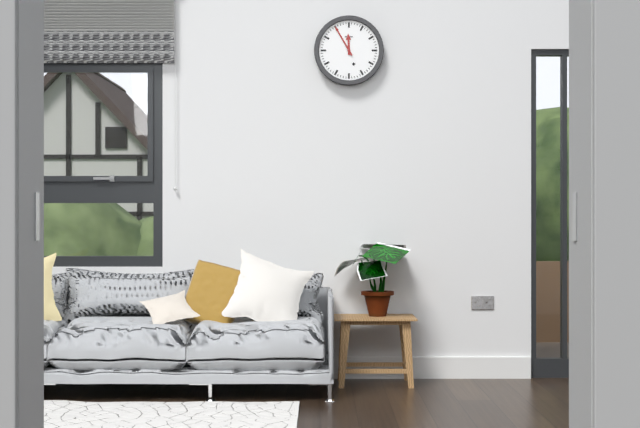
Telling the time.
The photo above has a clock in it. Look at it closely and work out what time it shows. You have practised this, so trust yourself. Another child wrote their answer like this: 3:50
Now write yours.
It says 11:55
